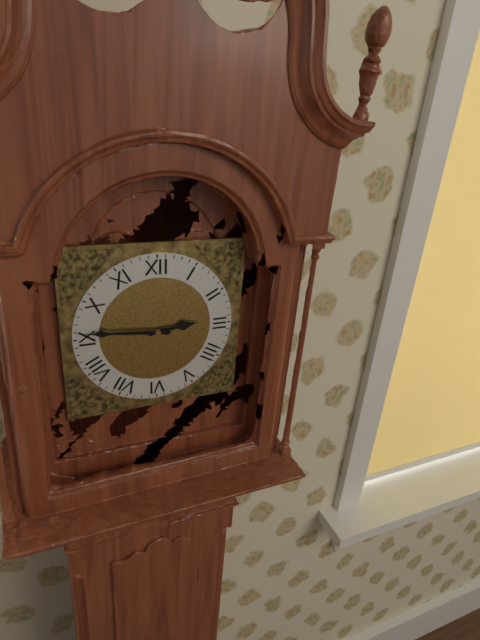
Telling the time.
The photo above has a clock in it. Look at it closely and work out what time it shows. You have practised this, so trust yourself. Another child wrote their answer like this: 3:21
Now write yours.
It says 2:46
